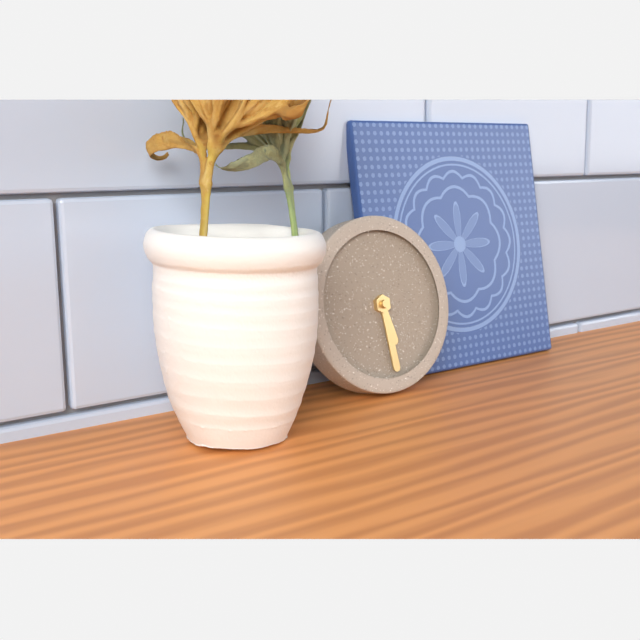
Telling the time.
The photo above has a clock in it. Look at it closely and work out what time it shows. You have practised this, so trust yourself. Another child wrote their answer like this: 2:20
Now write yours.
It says 5:29
